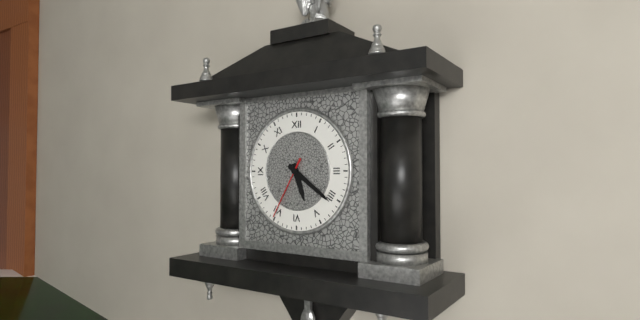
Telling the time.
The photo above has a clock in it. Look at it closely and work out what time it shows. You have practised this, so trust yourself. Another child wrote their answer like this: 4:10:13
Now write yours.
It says 5:21:35
